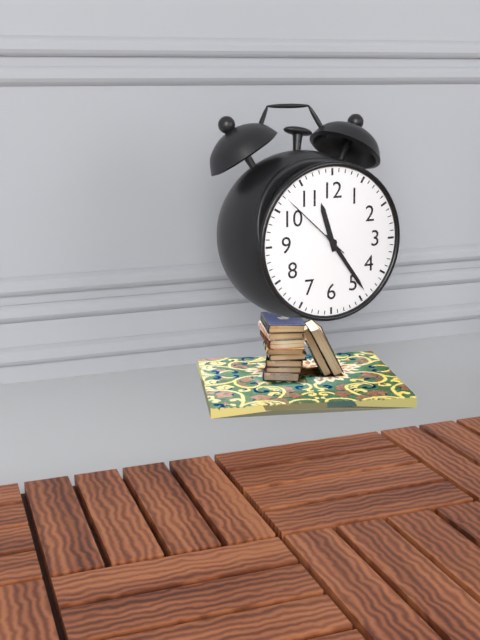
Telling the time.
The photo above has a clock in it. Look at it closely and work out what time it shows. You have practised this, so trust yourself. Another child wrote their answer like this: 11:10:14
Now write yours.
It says 11:24:52
